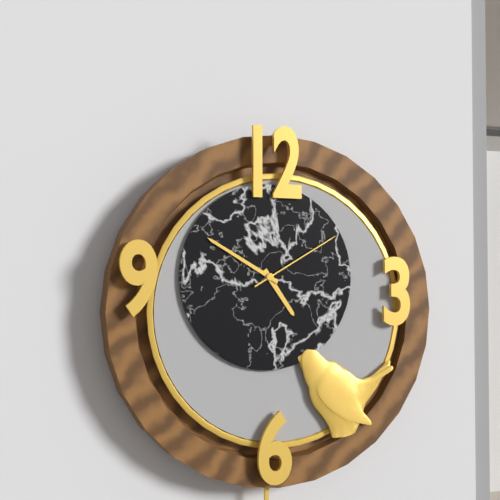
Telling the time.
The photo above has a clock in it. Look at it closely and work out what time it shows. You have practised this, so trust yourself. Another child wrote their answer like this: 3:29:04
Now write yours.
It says 4:50:10
